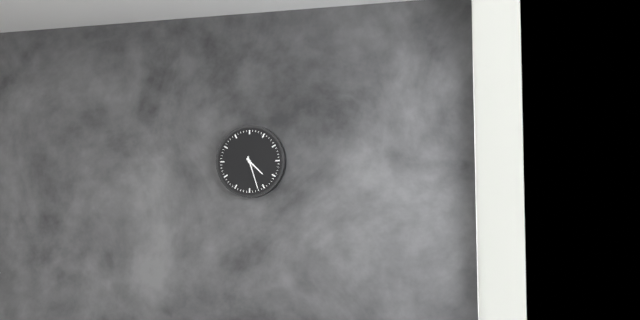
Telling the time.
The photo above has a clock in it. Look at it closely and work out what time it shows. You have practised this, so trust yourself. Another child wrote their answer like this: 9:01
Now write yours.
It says 4:27
